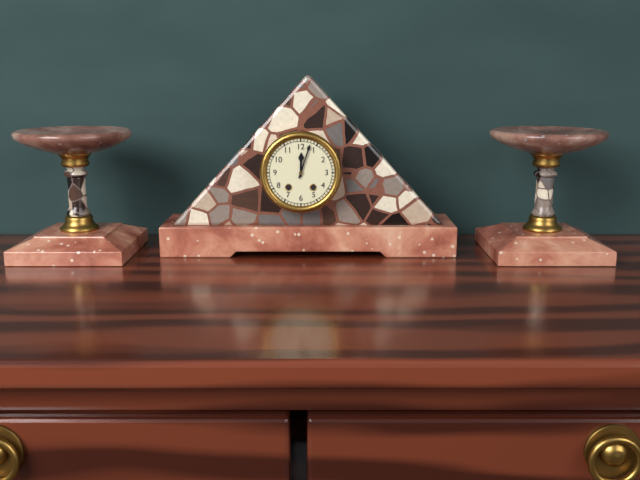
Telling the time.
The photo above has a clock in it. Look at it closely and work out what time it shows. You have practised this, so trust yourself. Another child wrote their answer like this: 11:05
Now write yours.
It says 12:03
